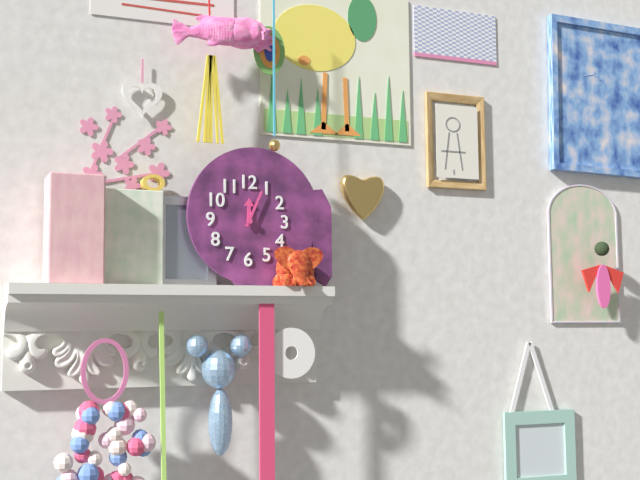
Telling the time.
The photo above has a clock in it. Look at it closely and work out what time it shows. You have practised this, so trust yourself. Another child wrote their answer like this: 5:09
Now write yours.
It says 12:04
